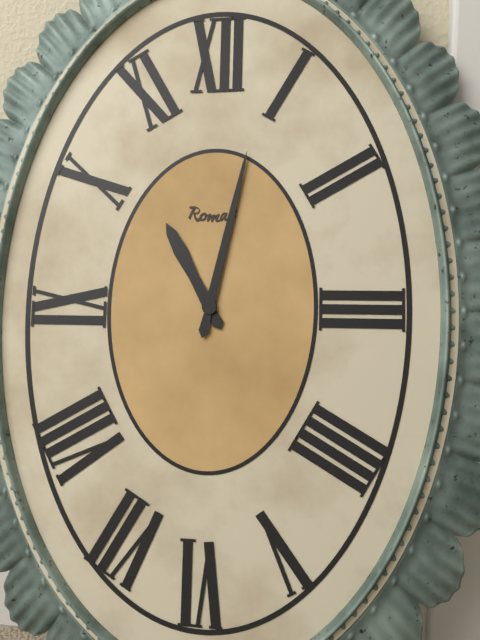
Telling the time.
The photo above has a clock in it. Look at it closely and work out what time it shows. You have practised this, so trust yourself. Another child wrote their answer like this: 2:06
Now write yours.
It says 11:02
